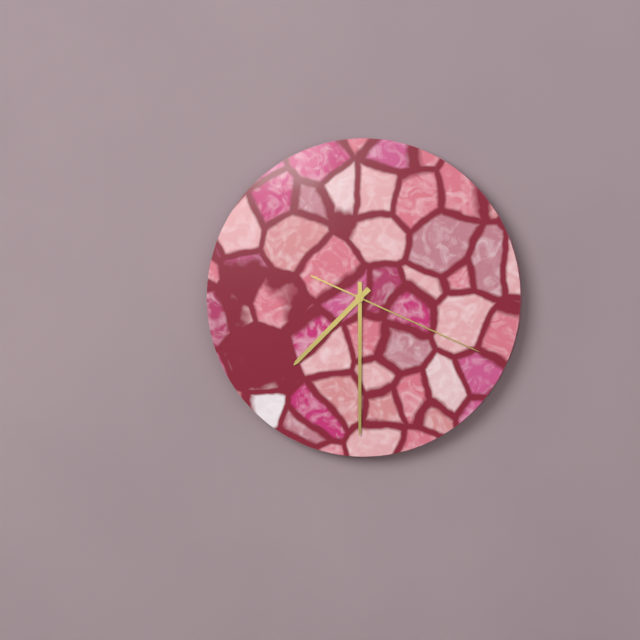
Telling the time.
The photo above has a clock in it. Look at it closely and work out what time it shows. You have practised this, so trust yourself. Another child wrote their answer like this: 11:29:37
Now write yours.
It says 7:30:19
